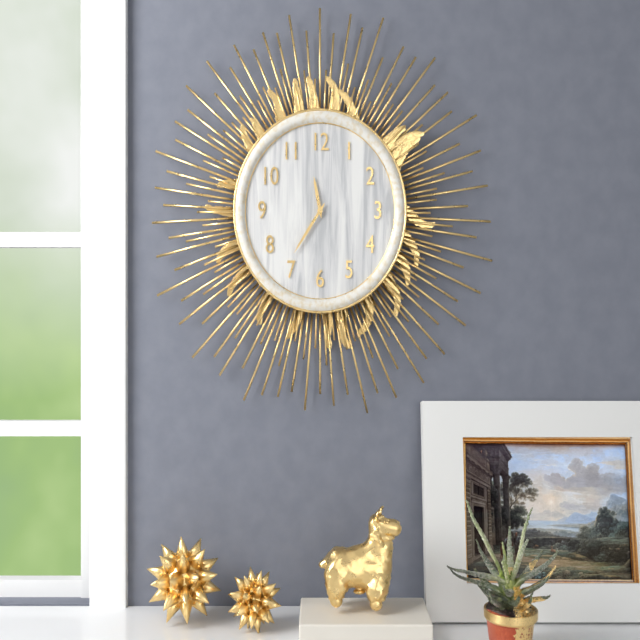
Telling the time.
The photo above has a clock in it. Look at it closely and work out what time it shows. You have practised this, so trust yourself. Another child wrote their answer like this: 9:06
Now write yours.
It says 11:36
